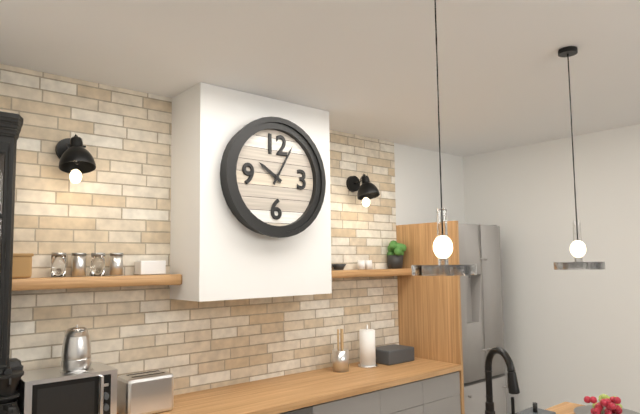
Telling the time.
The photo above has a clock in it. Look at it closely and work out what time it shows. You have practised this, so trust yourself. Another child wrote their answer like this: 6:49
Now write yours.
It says 10:05
